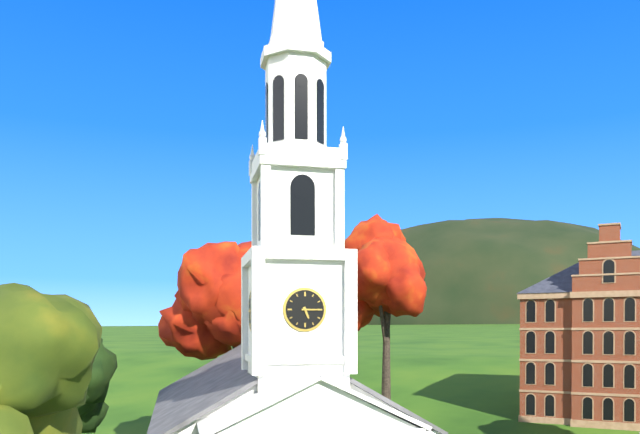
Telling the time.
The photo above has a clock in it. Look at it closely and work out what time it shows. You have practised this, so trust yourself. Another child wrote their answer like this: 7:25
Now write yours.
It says 5:15
